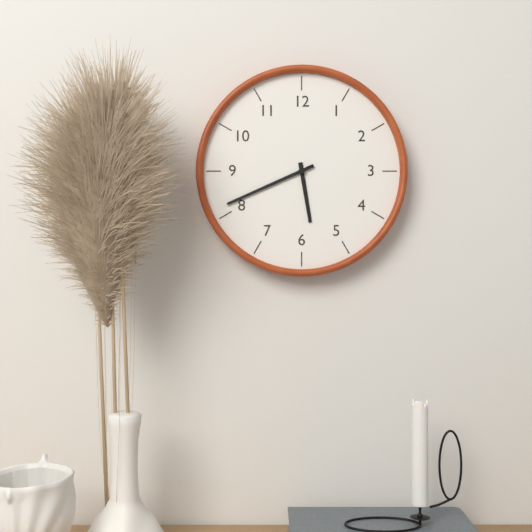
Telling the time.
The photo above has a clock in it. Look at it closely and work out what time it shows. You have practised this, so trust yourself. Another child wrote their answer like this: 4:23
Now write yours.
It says 5:41
